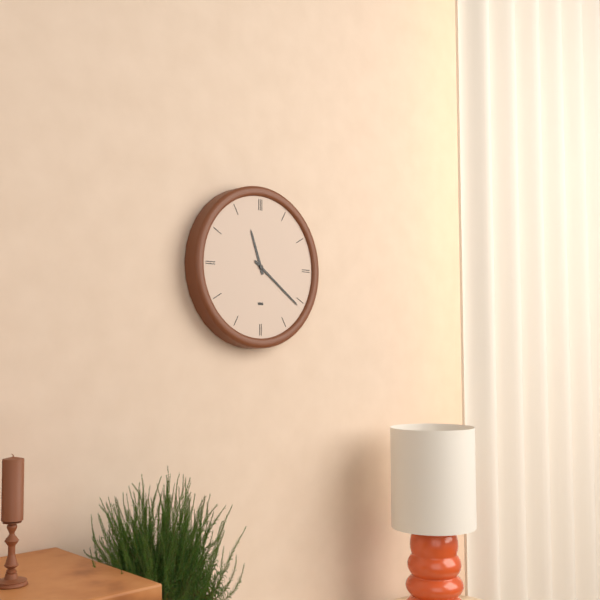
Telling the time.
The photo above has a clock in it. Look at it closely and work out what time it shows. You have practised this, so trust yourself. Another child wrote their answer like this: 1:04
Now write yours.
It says 11:21
